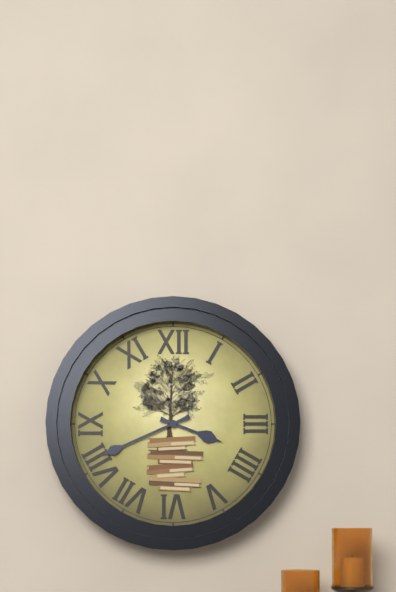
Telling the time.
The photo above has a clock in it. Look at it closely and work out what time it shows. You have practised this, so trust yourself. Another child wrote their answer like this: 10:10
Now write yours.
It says 3:41
